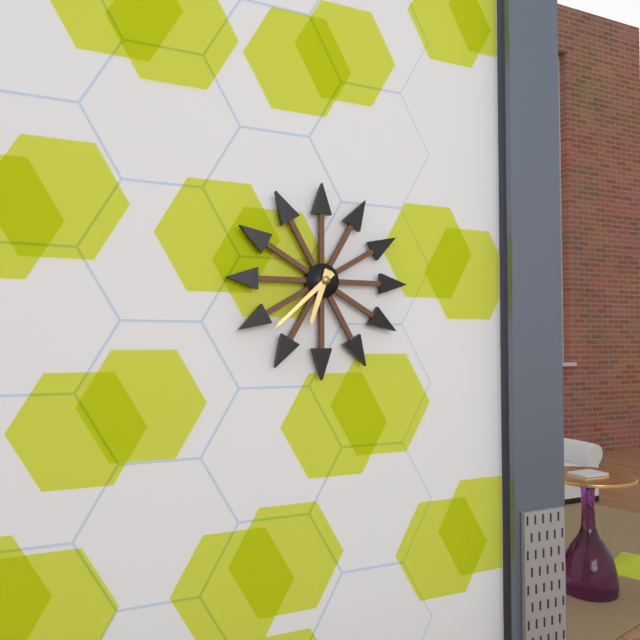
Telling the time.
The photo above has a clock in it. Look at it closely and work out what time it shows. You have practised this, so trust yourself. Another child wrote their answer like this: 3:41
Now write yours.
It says 6:38
